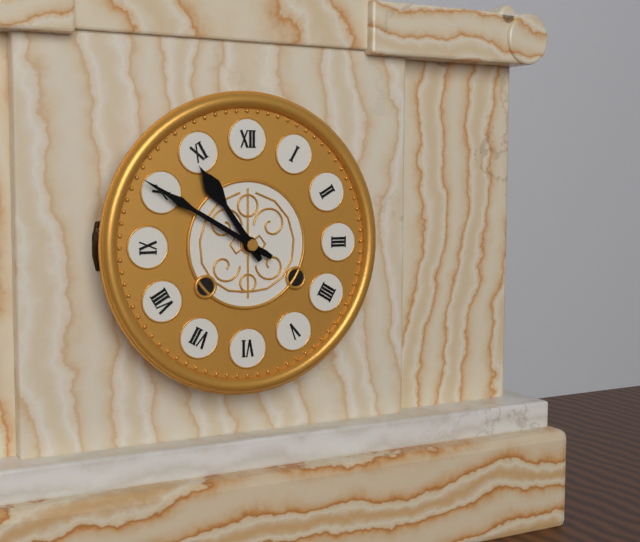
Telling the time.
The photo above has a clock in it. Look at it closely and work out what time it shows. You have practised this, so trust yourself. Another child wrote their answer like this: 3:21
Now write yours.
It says 10:50
